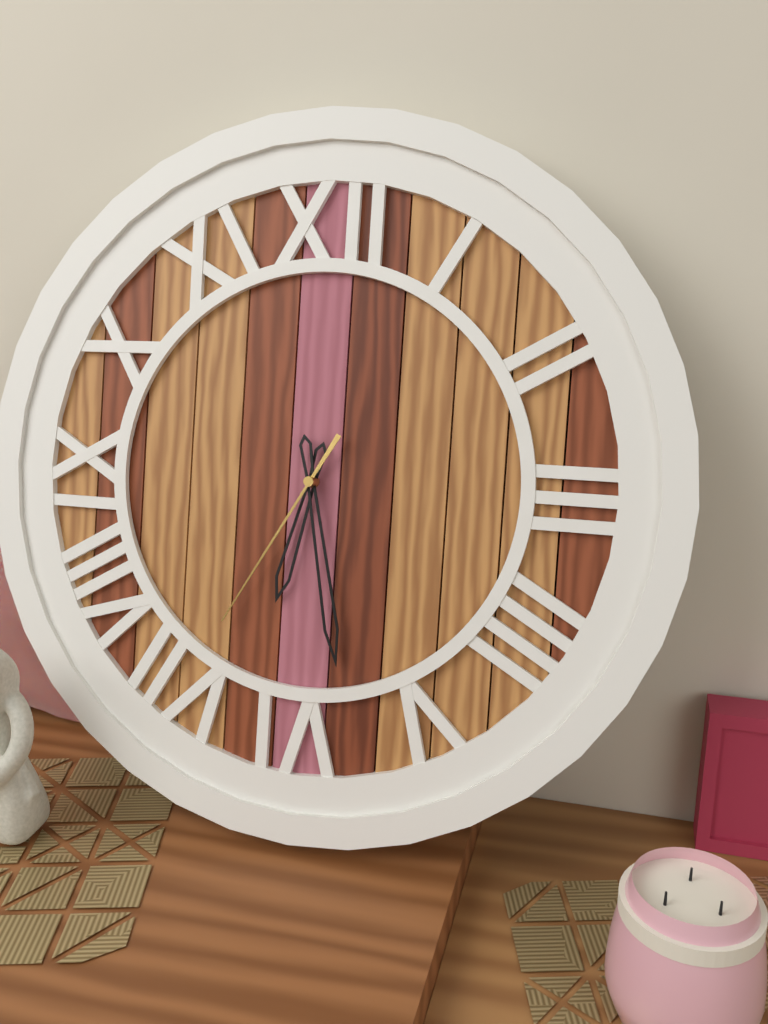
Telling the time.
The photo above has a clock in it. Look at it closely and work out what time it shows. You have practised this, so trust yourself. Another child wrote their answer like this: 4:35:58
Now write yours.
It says 6:28:35
